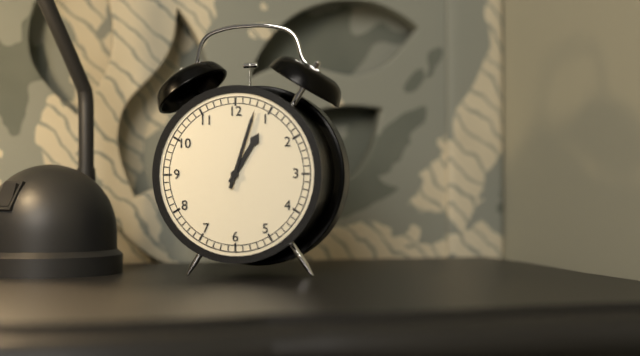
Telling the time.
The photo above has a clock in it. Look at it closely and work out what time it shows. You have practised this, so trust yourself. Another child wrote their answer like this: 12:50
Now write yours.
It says 1:03
